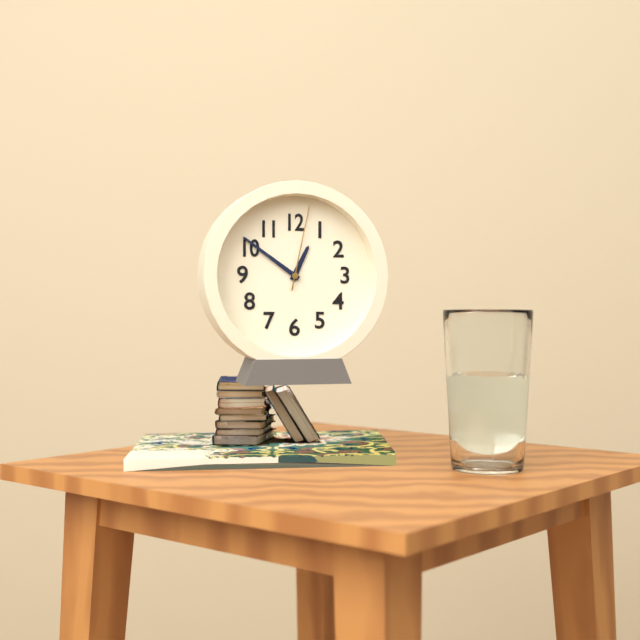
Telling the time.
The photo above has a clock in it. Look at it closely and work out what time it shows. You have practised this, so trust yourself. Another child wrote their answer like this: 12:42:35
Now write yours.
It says 12:51:02
